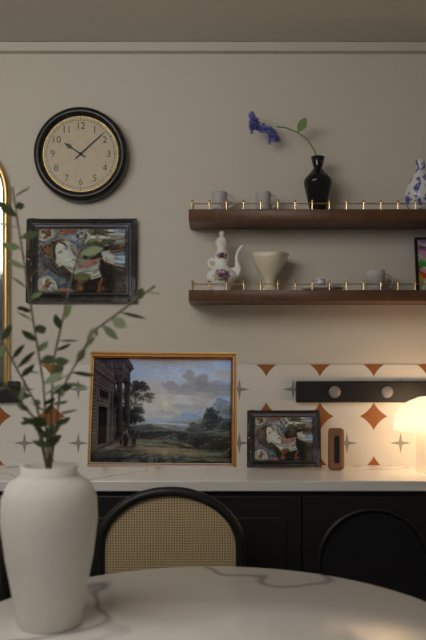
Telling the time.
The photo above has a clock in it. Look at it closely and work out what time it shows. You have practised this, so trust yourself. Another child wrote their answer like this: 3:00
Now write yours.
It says 10:08
